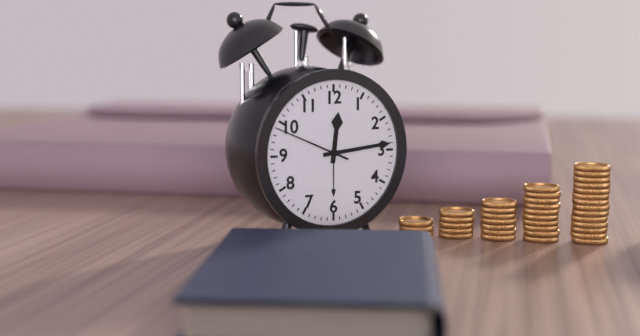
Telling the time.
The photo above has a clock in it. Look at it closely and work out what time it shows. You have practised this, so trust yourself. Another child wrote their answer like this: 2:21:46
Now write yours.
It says 12:14:49
